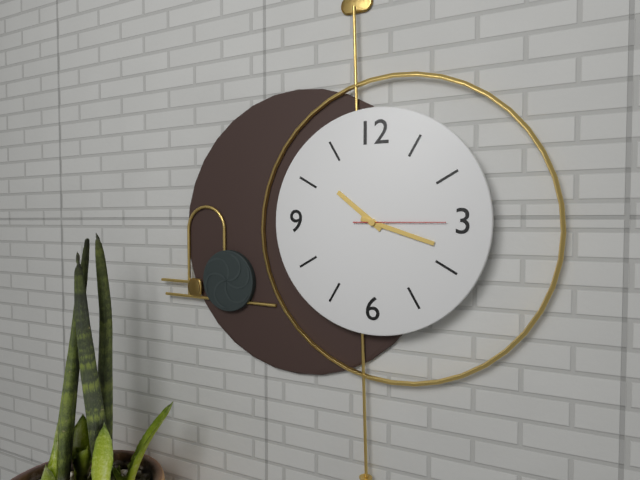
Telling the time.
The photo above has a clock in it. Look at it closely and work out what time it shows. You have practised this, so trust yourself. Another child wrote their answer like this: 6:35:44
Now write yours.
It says 10:18:15
